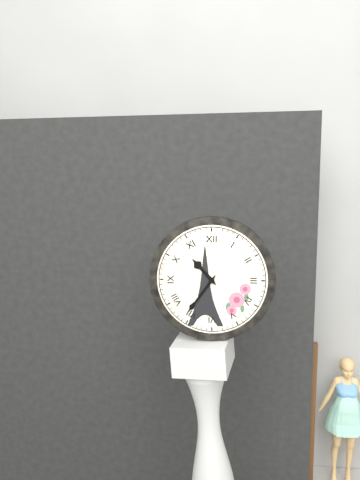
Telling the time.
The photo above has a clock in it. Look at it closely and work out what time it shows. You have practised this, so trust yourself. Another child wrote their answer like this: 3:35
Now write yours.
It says 10:36
